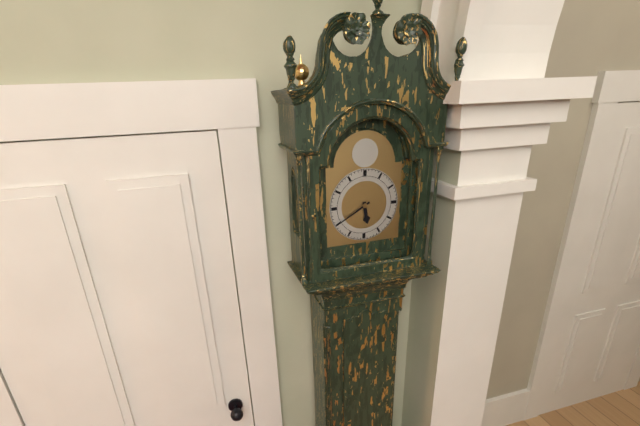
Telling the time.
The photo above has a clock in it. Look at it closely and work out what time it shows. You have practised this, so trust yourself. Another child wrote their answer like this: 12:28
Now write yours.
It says 5:40
